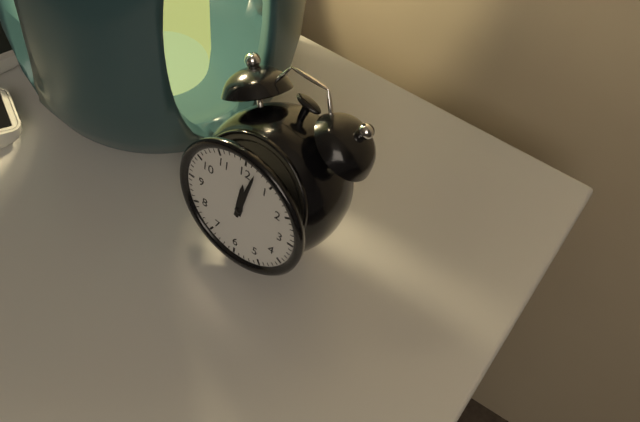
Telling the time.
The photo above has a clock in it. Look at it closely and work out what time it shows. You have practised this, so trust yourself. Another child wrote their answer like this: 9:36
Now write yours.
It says 12:02
